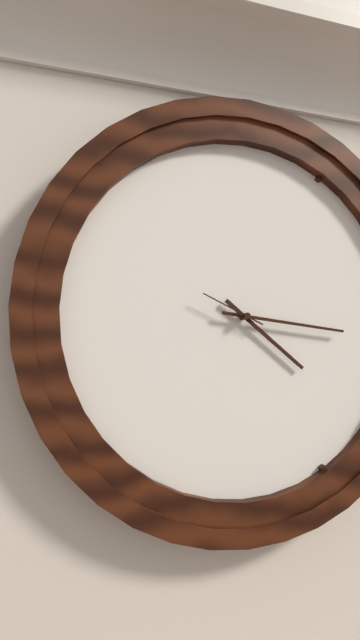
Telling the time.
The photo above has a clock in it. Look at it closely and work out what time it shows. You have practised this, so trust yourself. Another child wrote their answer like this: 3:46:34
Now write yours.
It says 4:16:49
